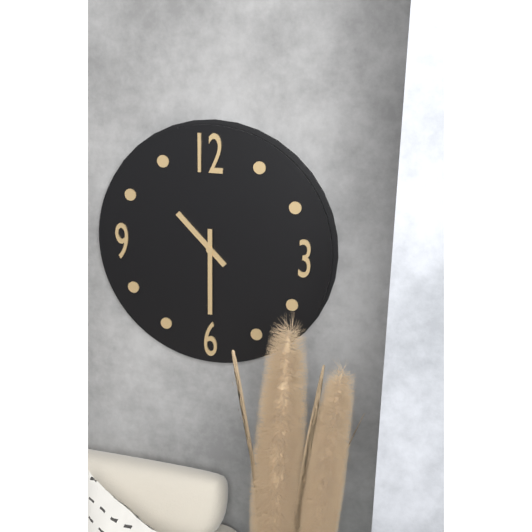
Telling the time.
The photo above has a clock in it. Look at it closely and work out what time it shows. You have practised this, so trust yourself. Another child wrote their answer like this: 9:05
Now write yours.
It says 10:30
